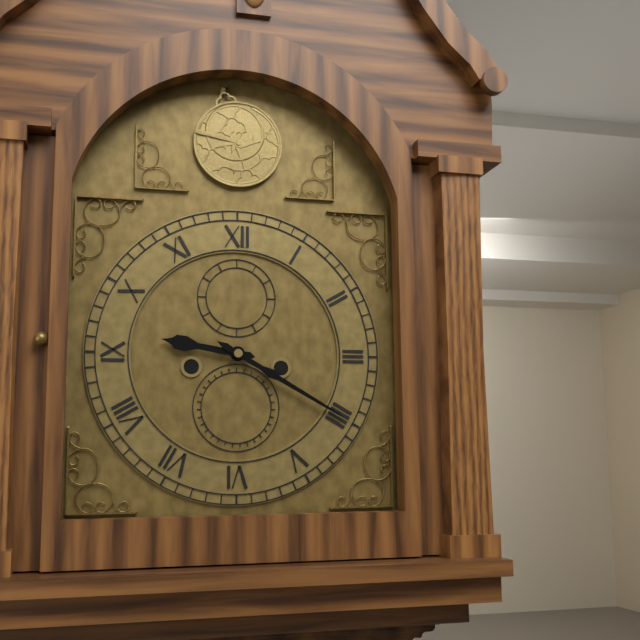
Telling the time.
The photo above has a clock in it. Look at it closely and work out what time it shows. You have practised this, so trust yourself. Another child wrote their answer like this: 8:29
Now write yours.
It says 9:20
